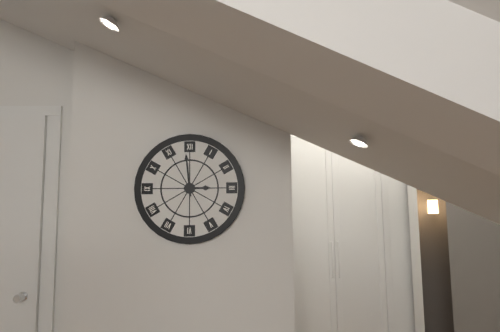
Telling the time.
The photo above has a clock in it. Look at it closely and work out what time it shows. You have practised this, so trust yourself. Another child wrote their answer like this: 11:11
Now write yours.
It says 2:59
